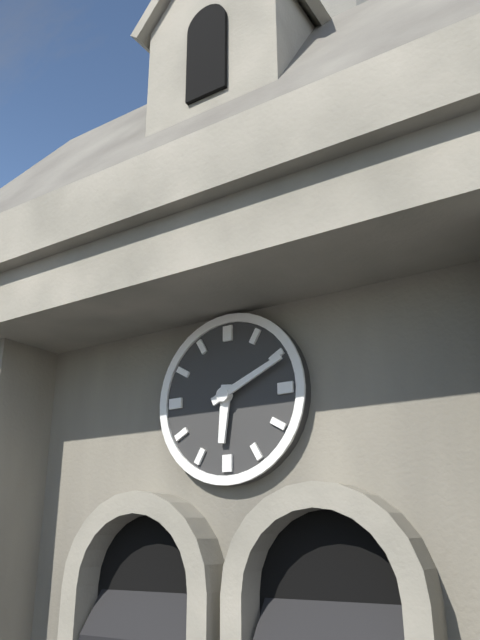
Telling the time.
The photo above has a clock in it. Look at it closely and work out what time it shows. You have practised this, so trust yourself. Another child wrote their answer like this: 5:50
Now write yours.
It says 6:11
